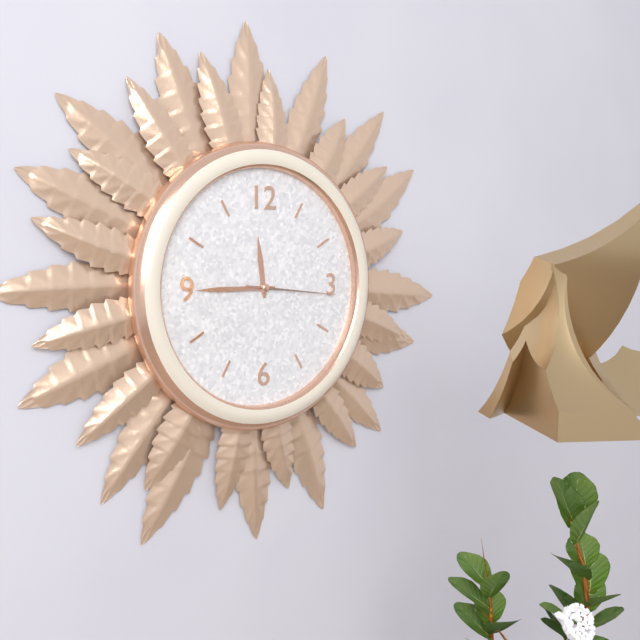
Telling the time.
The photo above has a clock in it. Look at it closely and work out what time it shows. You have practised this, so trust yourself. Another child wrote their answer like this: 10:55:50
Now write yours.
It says 11:45:16
